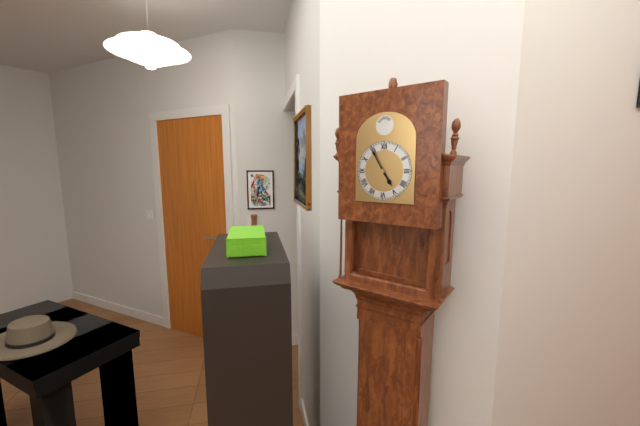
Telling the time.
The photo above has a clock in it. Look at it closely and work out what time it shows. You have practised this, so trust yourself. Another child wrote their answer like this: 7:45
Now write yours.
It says 4:55
